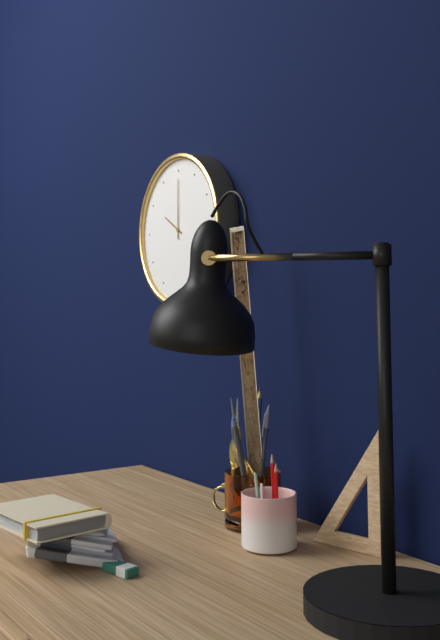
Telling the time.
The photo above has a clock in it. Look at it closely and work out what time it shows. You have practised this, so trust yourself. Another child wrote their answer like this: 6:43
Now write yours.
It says 10:00
